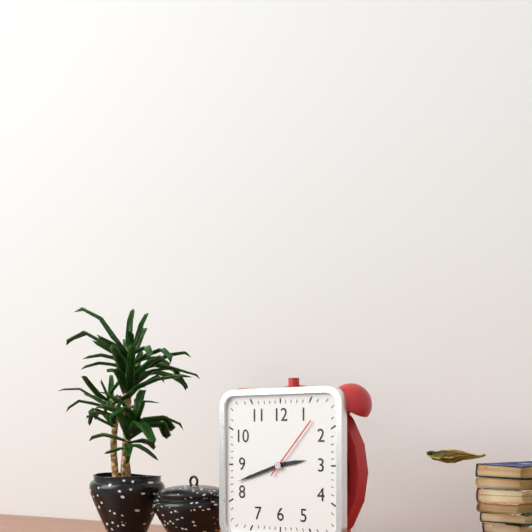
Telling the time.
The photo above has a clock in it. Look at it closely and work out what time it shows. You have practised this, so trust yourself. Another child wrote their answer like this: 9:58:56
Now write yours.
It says 2:42:07
